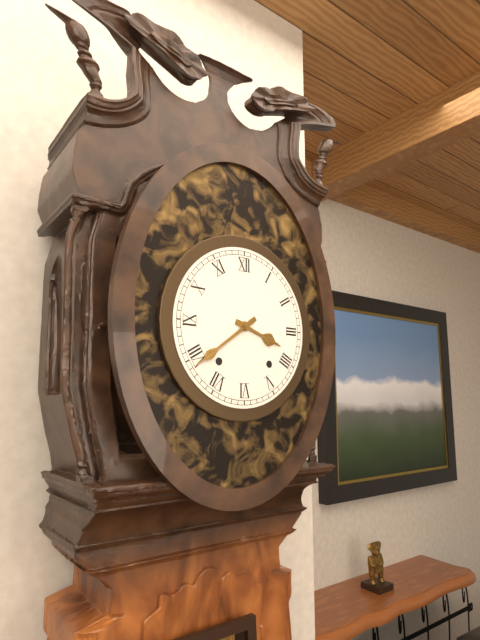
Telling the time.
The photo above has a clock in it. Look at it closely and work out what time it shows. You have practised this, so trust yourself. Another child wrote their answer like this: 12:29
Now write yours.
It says 3:39
